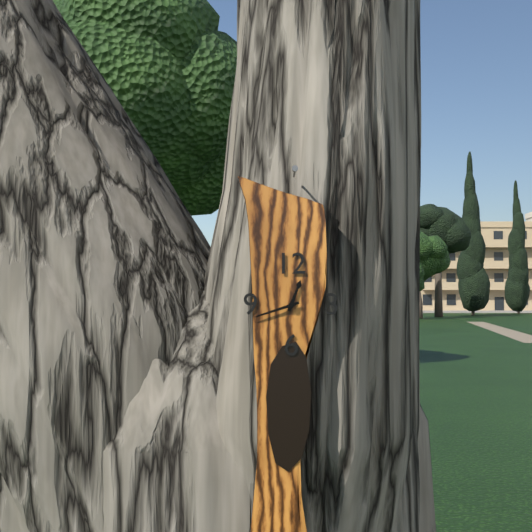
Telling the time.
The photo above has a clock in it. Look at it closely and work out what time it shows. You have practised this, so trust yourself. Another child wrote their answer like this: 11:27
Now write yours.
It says 12:42
